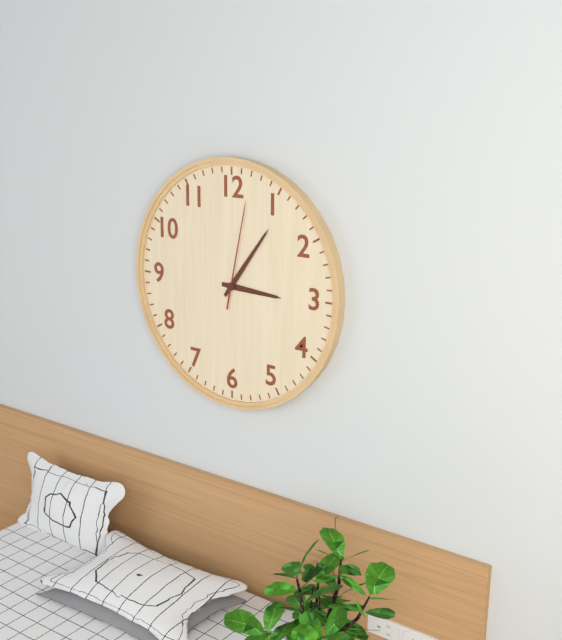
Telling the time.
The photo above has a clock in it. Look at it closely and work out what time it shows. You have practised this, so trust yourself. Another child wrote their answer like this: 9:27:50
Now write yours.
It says 3:06:02
